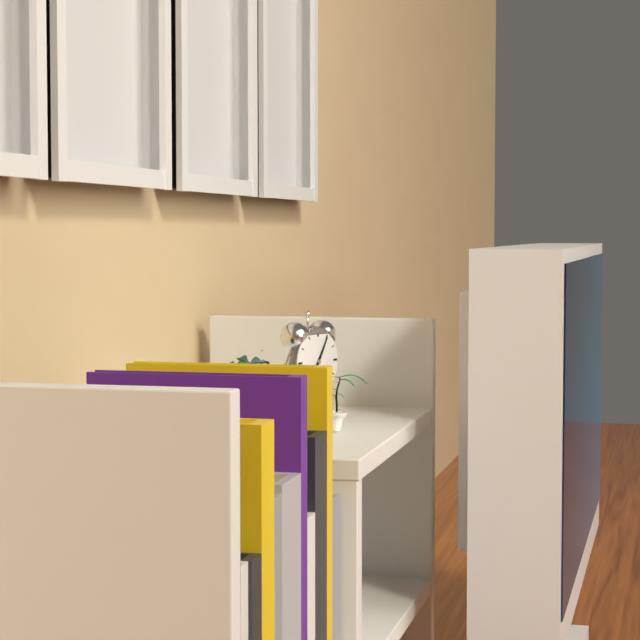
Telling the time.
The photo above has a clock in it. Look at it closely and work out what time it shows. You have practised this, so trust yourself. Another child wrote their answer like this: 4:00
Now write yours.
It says 1:05
